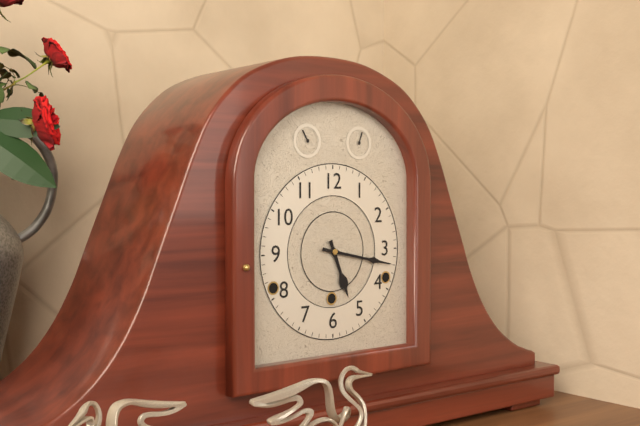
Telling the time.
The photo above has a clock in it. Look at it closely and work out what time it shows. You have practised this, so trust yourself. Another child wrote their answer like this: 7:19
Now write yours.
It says 5:17
